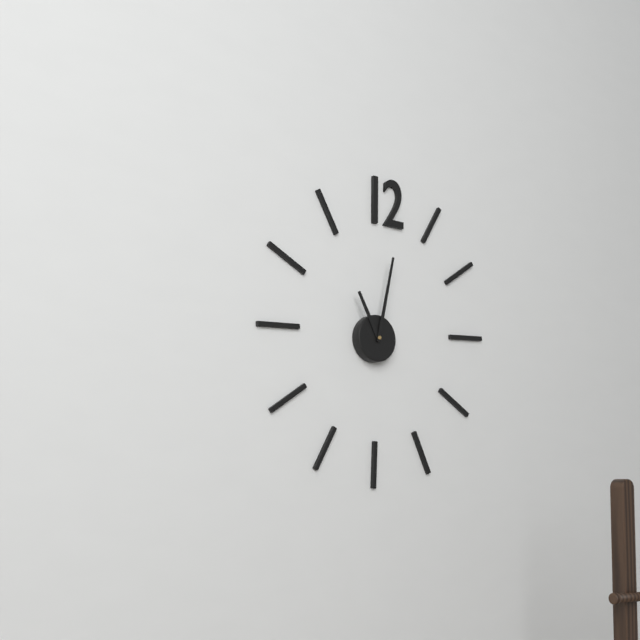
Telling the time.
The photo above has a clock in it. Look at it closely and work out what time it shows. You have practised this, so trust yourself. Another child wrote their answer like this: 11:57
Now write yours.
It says 11:02
